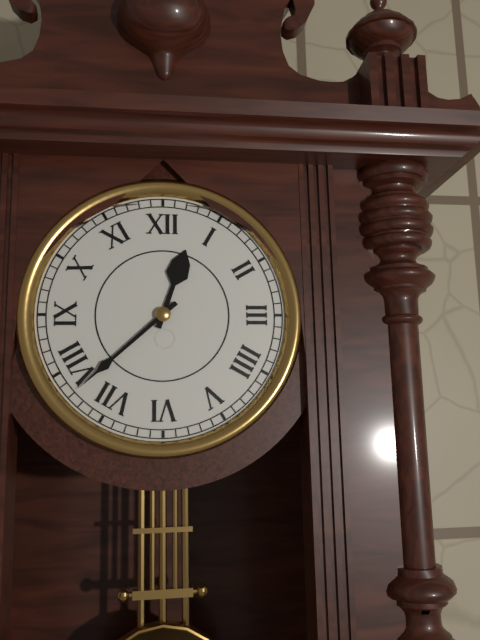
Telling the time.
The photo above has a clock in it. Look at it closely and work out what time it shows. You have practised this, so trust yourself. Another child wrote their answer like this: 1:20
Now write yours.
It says 12:38
